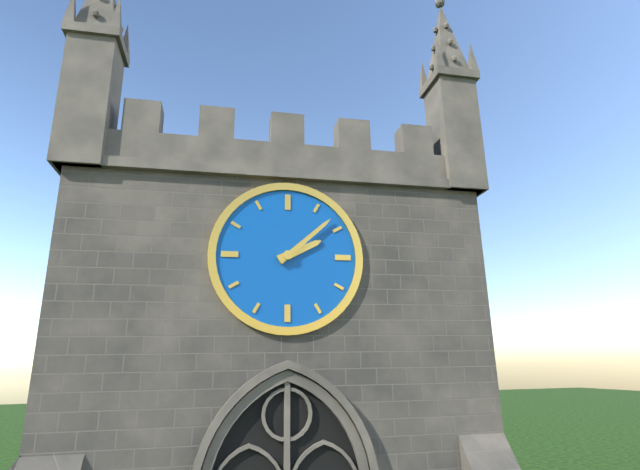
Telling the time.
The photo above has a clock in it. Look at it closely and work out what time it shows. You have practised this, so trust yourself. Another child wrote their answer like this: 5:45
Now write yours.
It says 2:08
